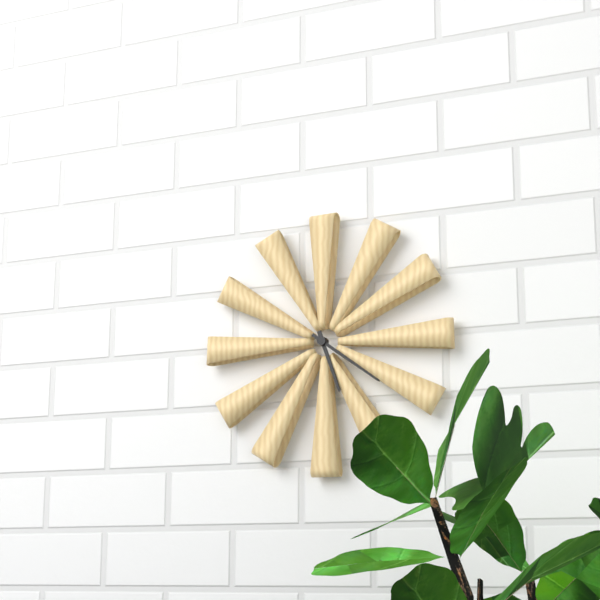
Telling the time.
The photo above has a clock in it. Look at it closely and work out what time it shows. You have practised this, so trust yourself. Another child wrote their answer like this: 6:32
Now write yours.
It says 5:21
